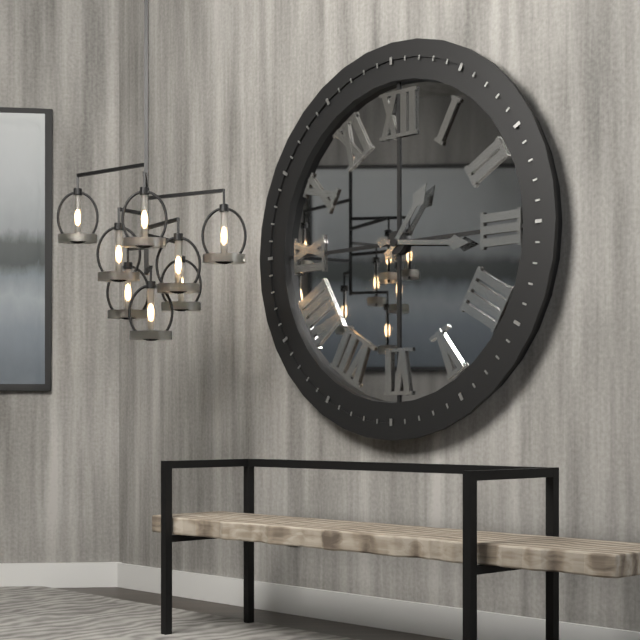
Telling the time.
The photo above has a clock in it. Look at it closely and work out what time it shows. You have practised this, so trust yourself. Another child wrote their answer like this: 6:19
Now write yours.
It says 1:16
